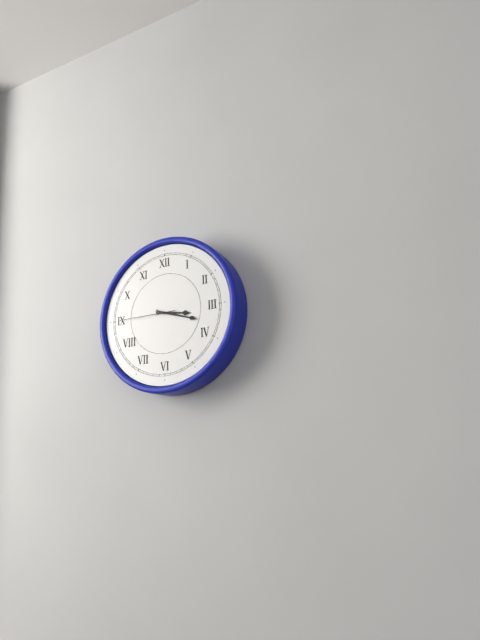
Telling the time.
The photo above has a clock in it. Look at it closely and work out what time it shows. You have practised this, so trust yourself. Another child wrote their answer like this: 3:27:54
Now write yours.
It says 3:18:45
